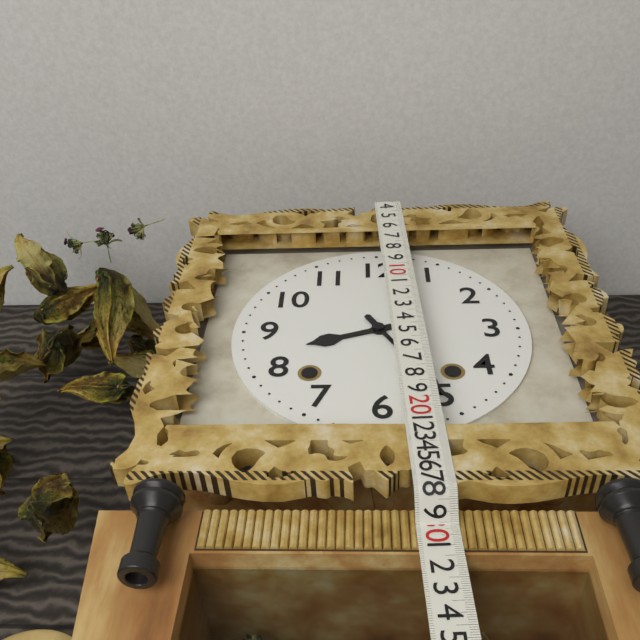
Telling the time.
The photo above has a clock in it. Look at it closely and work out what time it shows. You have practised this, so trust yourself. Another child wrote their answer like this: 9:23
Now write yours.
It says 8:25
